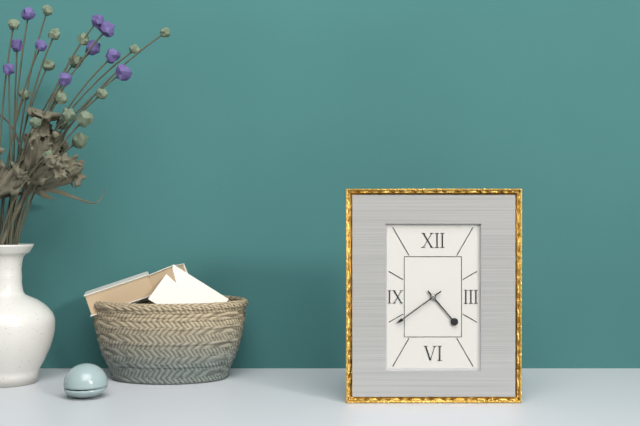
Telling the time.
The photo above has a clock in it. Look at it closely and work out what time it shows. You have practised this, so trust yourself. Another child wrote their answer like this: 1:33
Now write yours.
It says 4:39
